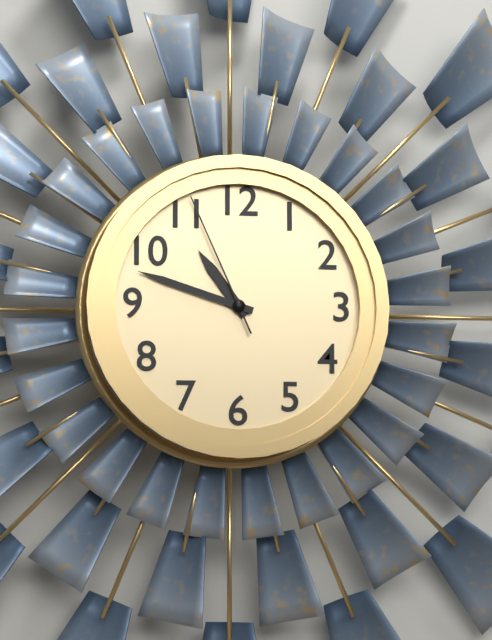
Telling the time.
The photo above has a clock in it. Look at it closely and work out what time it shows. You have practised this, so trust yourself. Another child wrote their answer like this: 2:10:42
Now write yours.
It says 10:48:56
